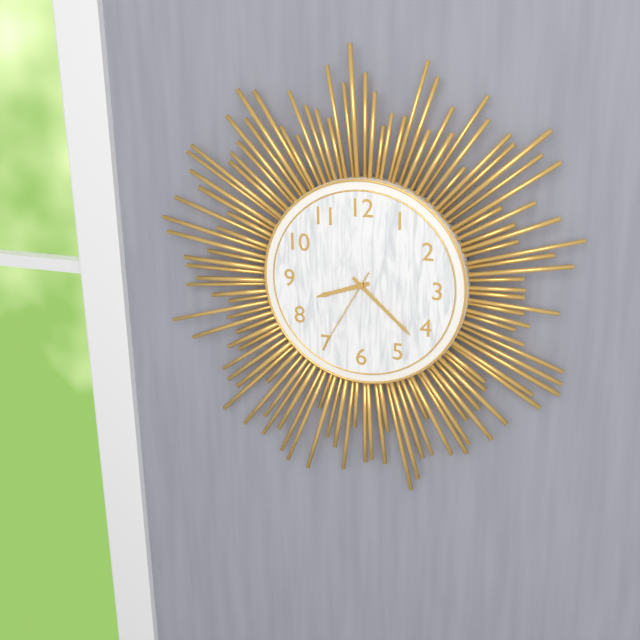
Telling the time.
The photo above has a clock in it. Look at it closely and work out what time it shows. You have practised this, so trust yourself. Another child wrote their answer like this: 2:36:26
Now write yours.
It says 8:22:35
